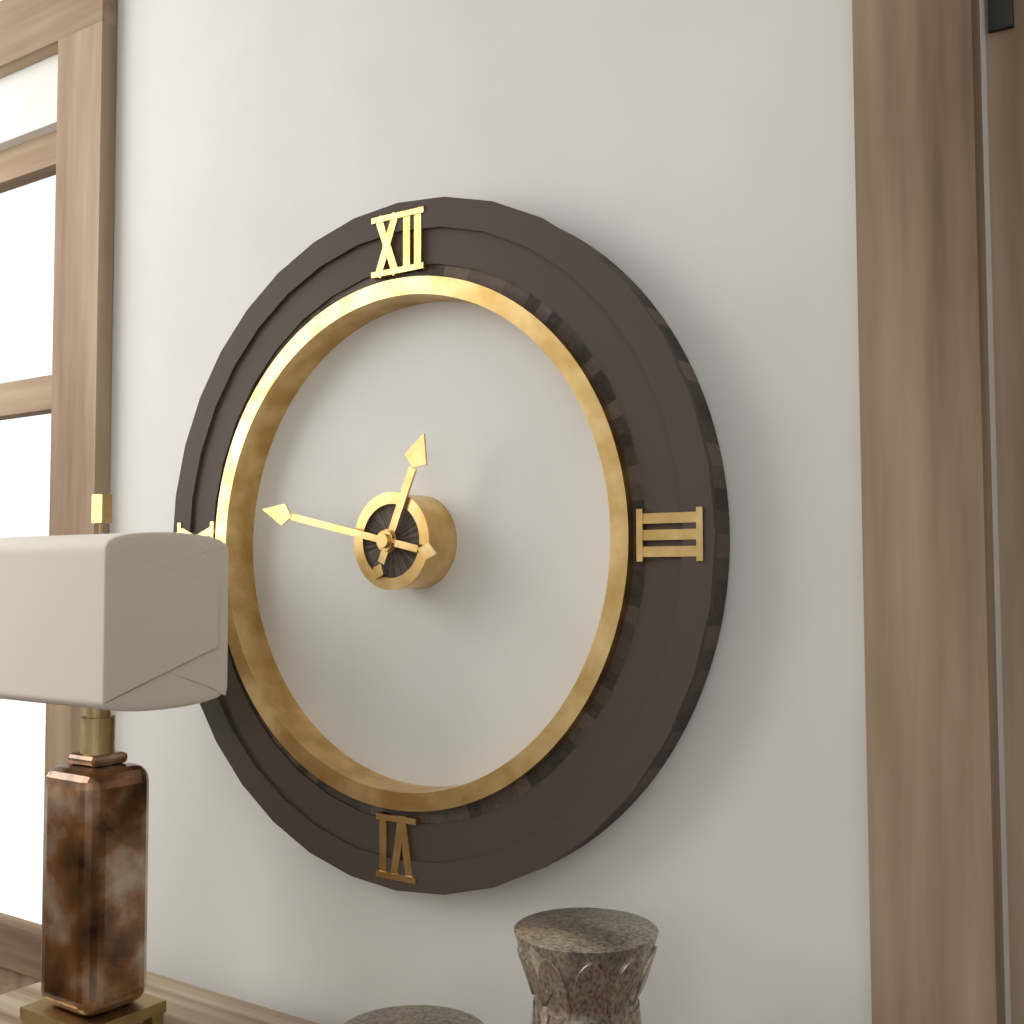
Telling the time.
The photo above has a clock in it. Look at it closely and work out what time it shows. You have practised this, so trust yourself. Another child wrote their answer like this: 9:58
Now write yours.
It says 12:47
